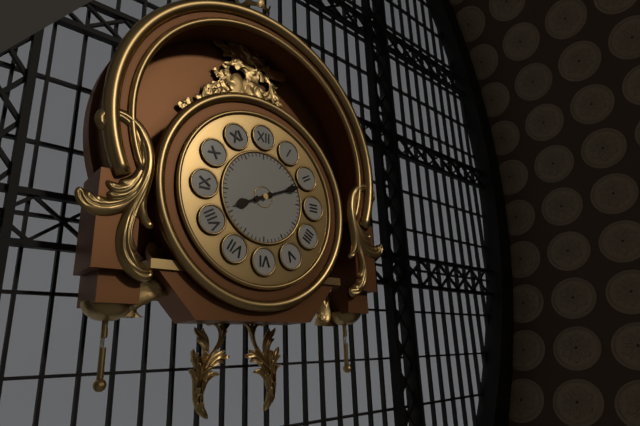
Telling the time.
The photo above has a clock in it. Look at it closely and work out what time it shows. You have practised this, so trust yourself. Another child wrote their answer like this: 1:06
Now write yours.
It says 8:11
